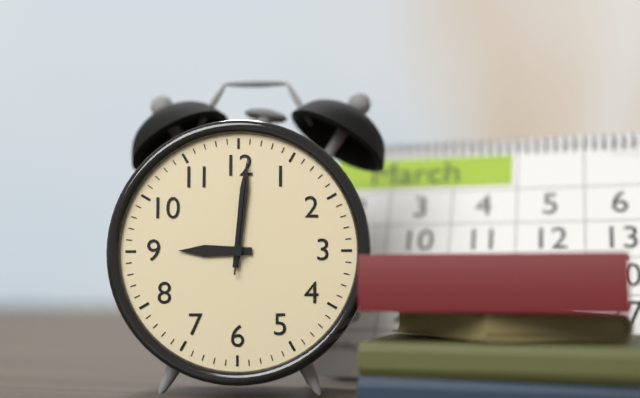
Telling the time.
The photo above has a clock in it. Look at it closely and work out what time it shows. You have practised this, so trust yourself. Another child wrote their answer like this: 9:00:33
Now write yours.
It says 9:01:01
